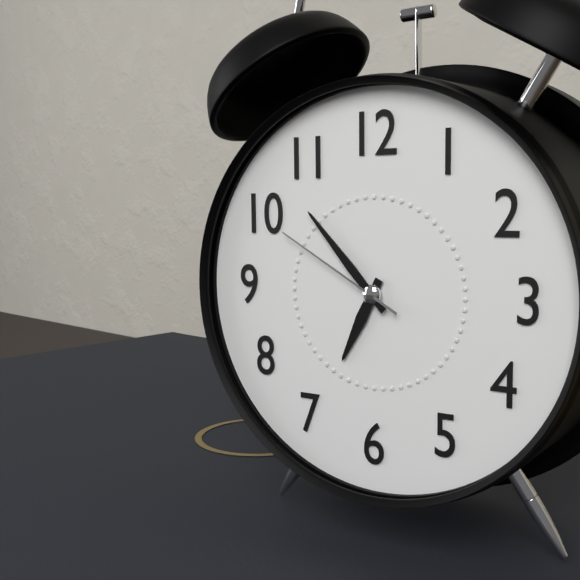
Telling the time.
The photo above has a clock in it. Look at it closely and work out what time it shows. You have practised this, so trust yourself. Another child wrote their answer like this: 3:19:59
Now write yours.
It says 6:53:50
